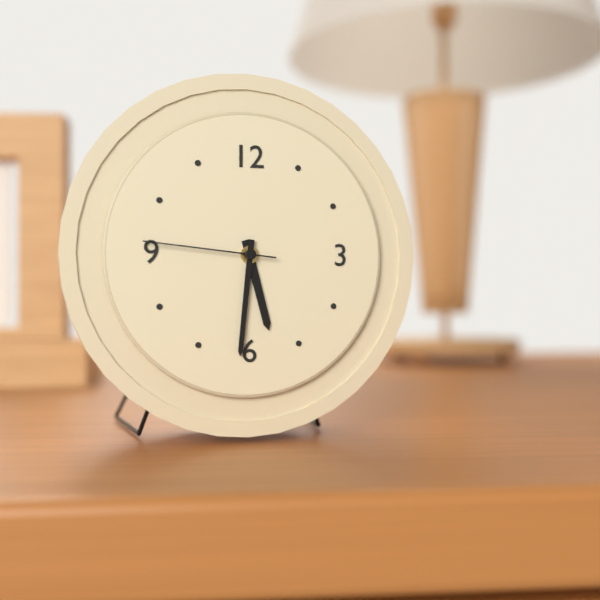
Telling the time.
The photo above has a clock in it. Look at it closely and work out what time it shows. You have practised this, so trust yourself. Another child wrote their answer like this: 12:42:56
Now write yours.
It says 5:31:46
